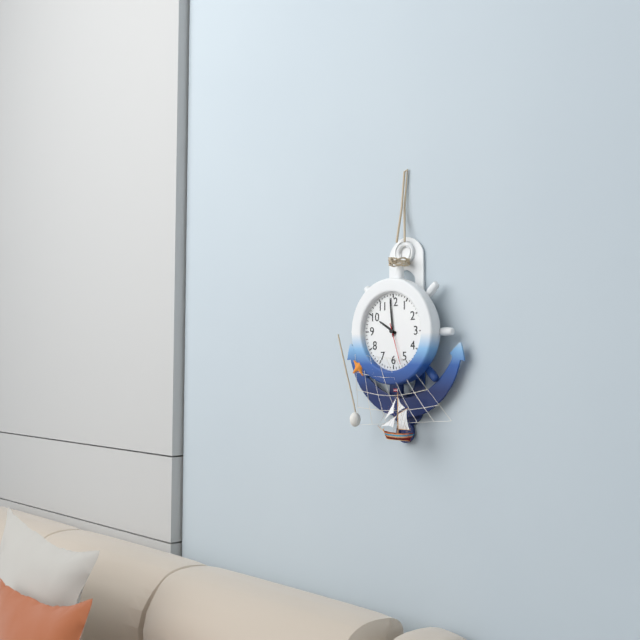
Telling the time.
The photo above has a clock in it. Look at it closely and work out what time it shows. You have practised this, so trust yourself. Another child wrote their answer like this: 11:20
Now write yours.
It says 9:59
